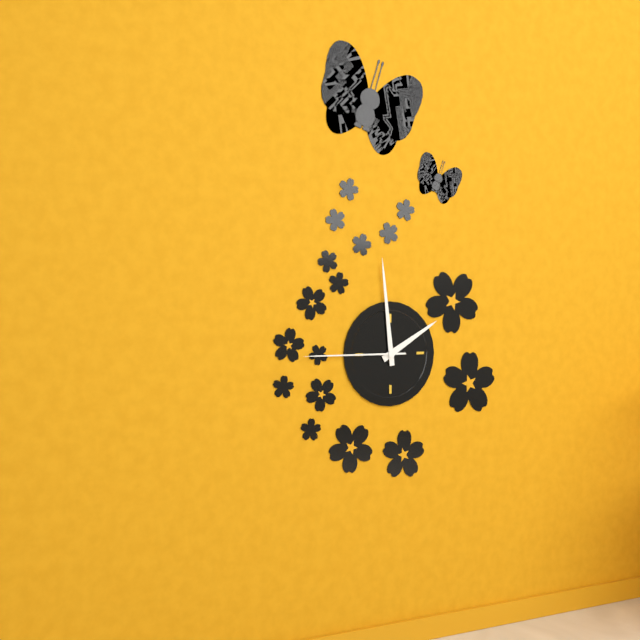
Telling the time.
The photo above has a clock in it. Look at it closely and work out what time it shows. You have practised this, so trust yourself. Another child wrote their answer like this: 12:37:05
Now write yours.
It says 1:59:45
